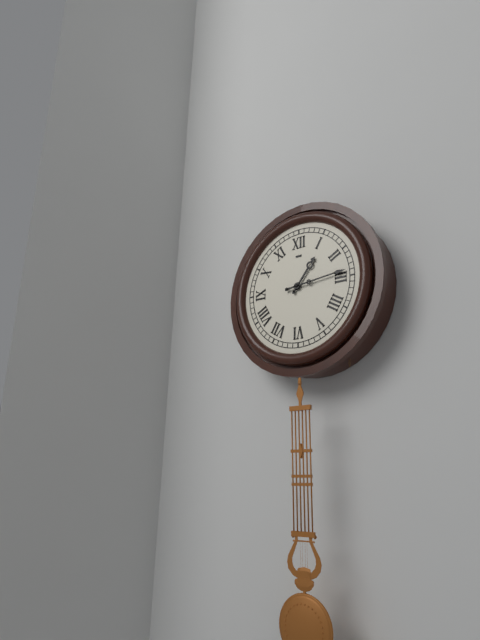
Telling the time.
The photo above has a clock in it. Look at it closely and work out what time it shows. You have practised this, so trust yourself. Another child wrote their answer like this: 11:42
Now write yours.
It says 1:14
